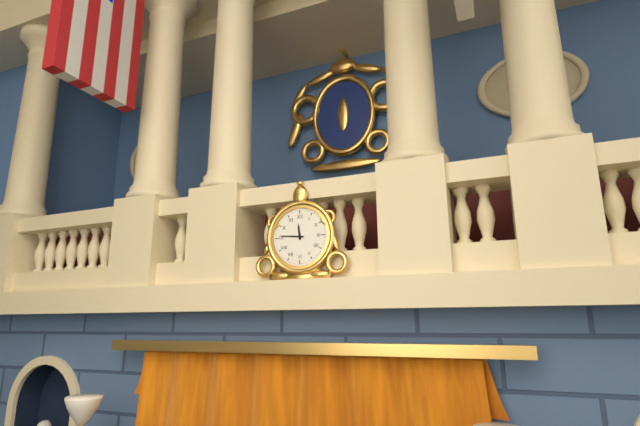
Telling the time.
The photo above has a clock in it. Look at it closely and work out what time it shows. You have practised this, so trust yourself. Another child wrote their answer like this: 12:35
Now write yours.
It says 11:46
